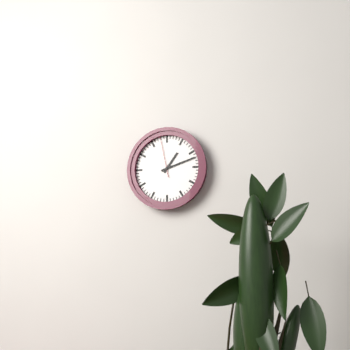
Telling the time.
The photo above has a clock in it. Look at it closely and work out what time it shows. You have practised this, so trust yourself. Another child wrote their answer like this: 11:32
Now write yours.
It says 1:12
